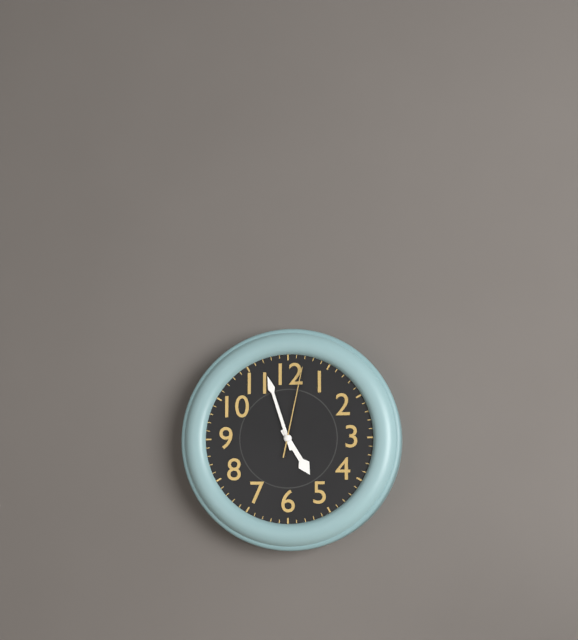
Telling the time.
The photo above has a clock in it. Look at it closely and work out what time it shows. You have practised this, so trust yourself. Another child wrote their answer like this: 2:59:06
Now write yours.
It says 4:57:02
